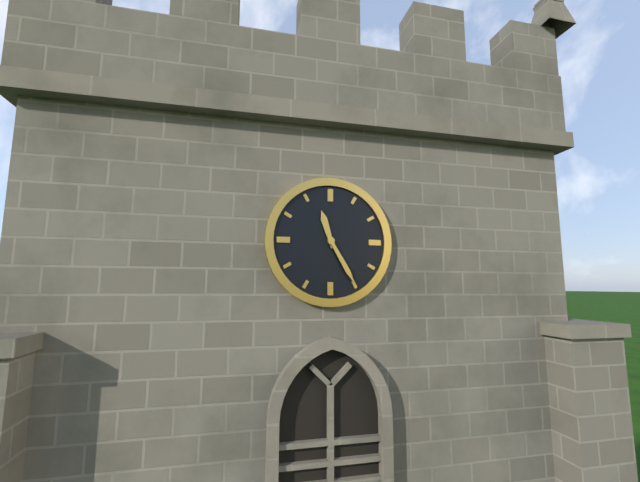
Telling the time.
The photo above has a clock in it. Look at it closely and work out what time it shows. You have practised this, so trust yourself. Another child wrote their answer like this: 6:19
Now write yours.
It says 11:25
